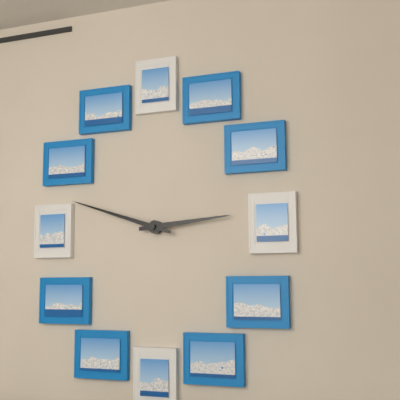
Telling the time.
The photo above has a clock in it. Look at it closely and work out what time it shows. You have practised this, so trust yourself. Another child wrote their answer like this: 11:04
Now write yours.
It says 2:48
